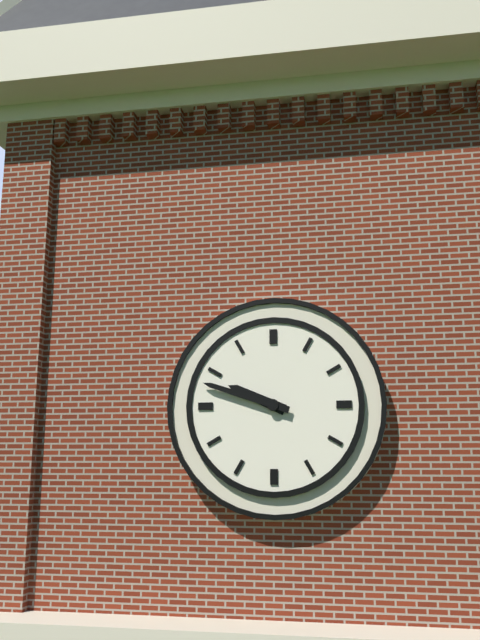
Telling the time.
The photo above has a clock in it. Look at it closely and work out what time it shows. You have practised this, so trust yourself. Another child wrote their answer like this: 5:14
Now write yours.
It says 9:48
